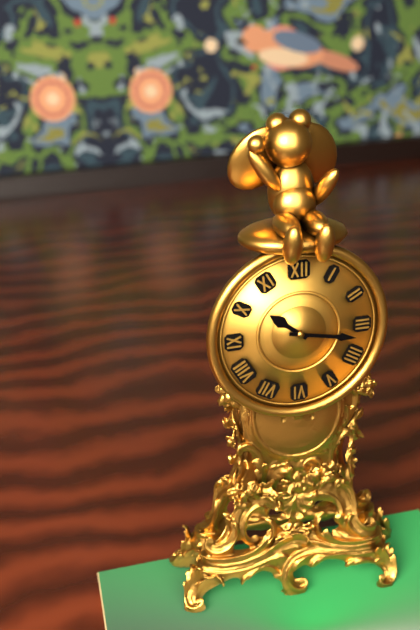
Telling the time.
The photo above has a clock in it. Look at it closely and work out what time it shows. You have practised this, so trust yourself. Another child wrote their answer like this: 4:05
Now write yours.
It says 10:17
